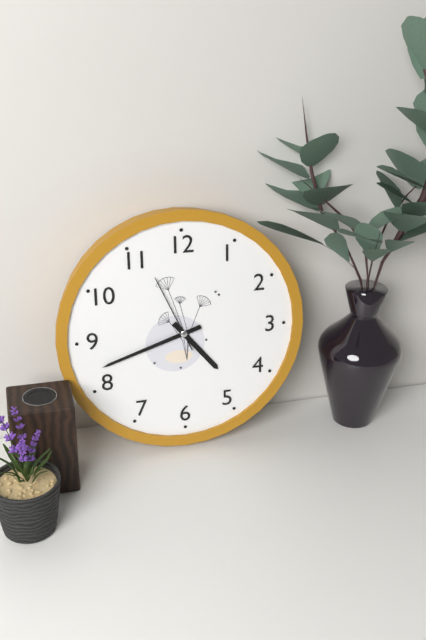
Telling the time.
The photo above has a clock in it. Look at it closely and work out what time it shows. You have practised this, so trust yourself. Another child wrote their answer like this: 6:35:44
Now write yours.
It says 4:42:56
